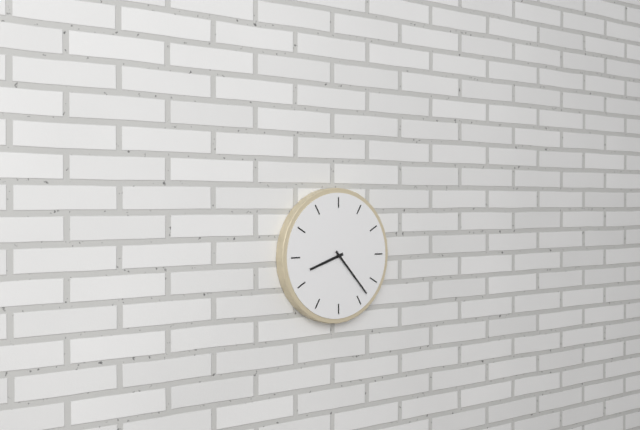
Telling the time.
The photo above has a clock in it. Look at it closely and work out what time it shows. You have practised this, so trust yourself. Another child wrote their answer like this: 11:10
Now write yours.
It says 8:23
